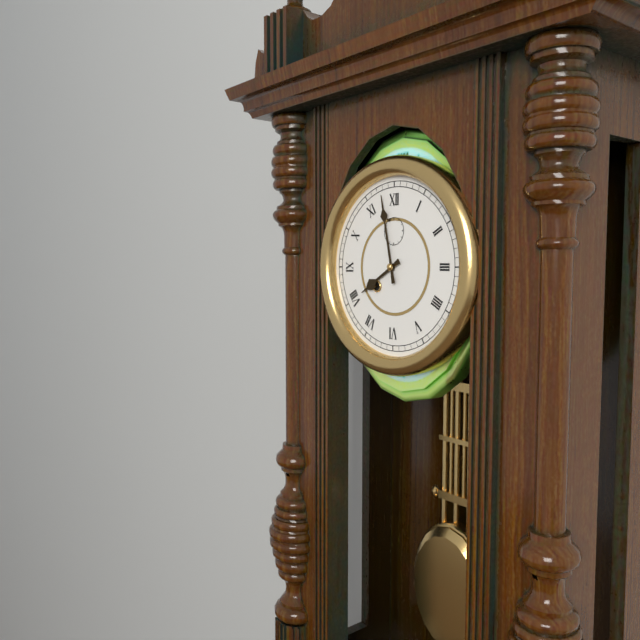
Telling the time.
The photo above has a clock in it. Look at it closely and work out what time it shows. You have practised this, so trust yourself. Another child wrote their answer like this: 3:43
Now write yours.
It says 7:58
